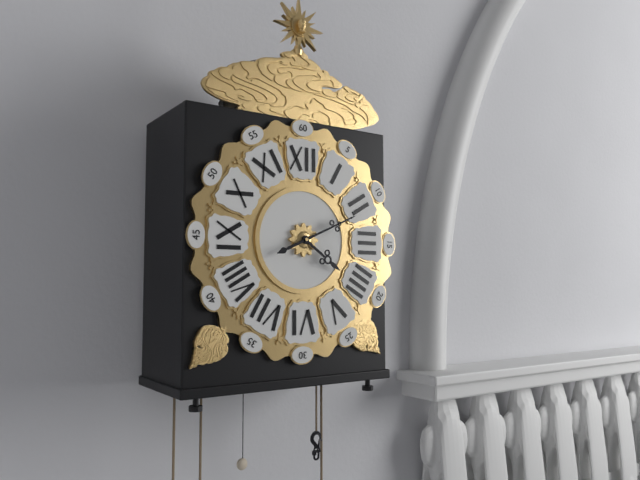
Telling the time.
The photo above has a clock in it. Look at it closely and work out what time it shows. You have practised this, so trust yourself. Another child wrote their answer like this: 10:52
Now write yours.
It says 4:11
